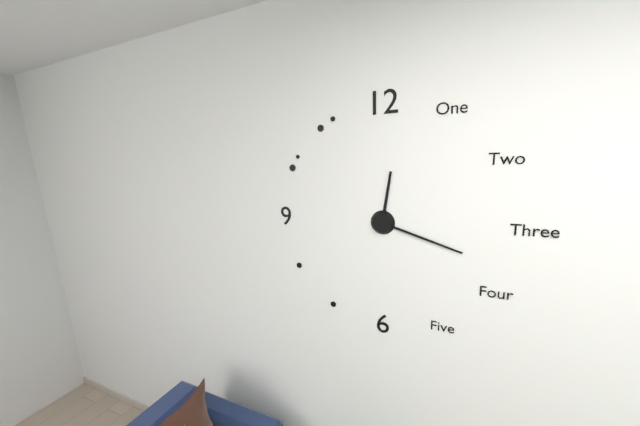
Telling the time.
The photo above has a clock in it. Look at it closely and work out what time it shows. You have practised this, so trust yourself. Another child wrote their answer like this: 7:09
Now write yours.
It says 12:18
